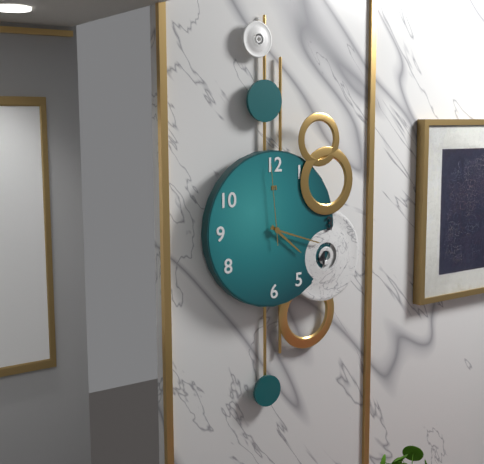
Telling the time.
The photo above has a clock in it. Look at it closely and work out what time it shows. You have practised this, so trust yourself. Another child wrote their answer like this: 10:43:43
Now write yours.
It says 4:18:59
